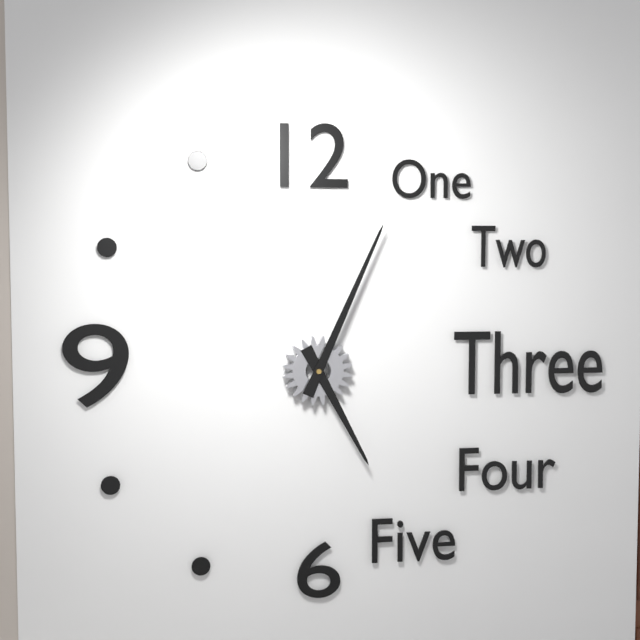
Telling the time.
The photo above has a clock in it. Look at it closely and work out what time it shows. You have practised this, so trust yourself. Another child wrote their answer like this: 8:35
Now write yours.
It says 5:04
